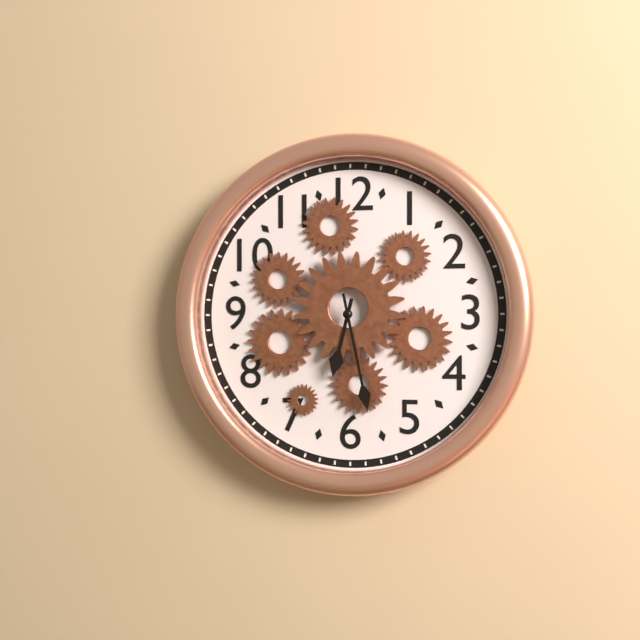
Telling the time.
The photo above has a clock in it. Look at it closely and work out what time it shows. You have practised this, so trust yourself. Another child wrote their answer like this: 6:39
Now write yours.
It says 6:28
